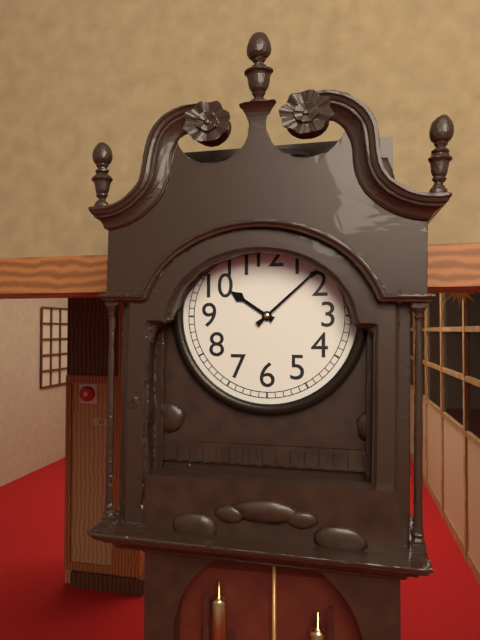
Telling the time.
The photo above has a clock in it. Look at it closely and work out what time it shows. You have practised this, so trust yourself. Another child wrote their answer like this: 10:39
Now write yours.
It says 10:08
